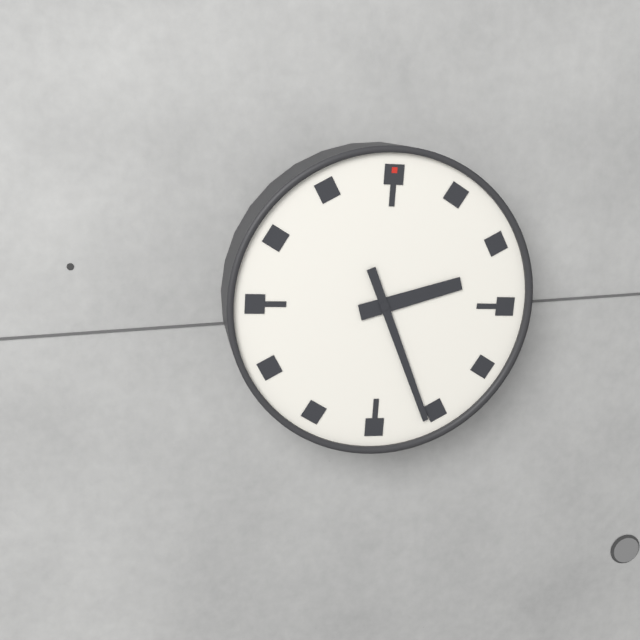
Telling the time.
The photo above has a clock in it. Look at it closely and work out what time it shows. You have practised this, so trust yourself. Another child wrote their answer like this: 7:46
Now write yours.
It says 2:26
